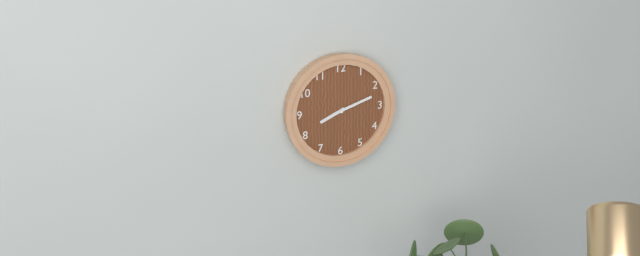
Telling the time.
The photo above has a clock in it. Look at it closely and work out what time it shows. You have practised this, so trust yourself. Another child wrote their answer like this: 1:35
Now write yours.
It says 8:12
